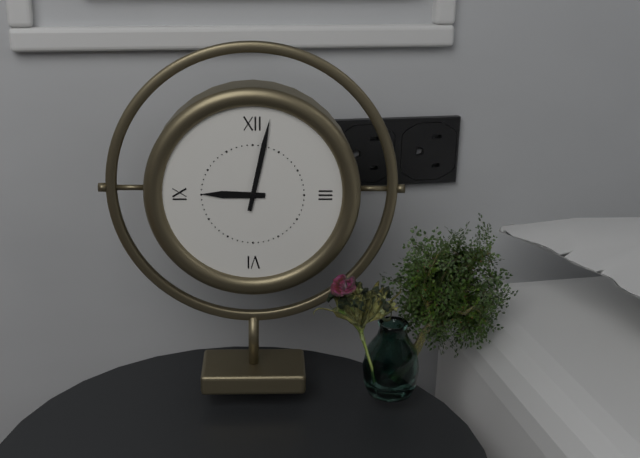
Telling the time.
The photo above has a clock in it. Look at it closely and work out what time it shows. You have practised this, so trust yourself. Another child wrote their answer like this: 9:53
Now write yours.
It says 9:02
